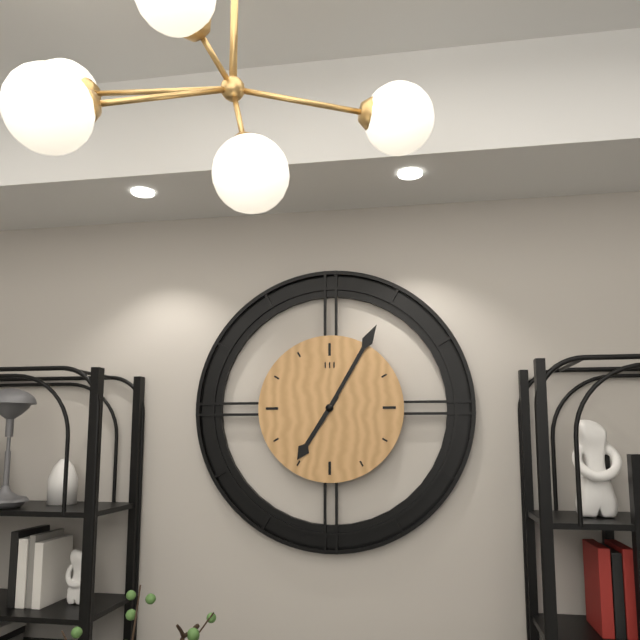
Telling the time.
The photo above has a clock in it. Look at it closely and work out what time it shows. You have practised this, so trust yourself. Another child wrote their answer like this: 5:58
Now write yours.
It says 7:05
